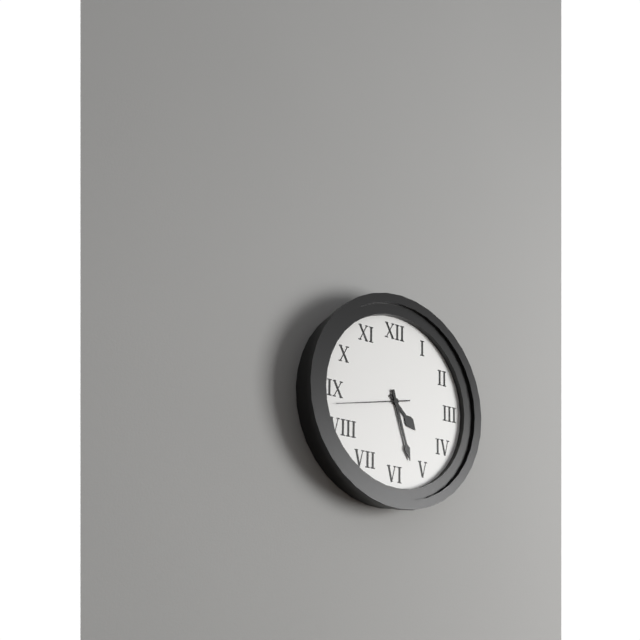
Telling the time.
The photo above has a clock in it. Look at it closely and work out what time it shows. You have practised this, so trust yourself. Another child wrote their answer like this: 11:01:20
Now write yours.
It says 4:27:43
